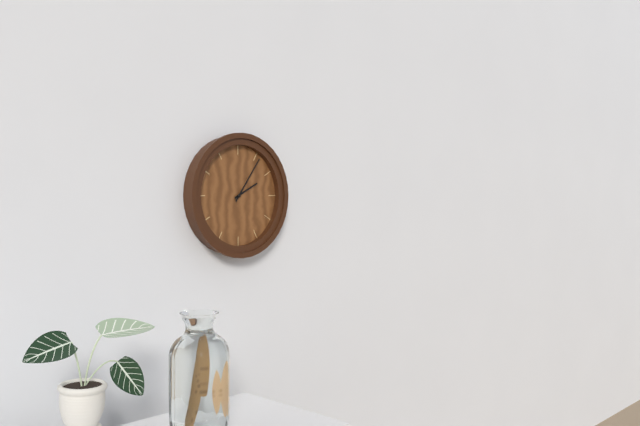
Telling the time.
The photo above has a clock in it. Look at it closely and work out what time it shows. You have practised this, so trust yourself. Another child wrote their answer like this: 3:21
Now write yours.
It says 2:06
